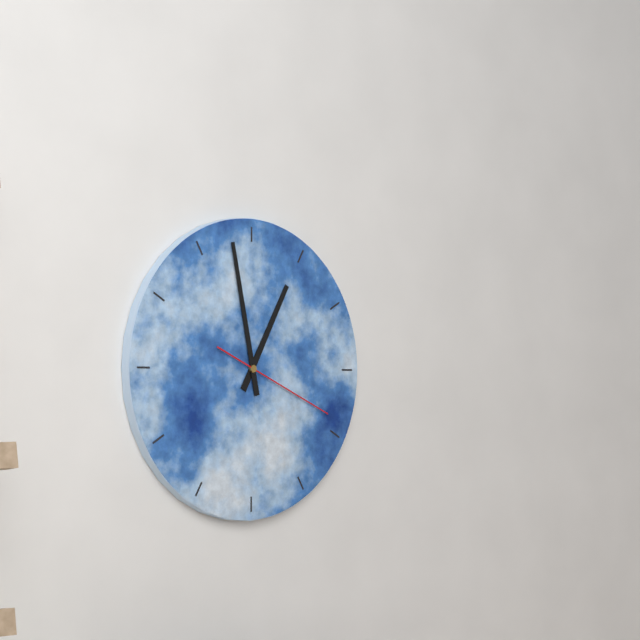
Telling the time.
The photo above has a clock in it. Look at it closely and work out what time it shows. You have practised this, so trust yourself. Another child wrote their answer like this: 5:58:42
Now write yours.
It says 12:58:19
